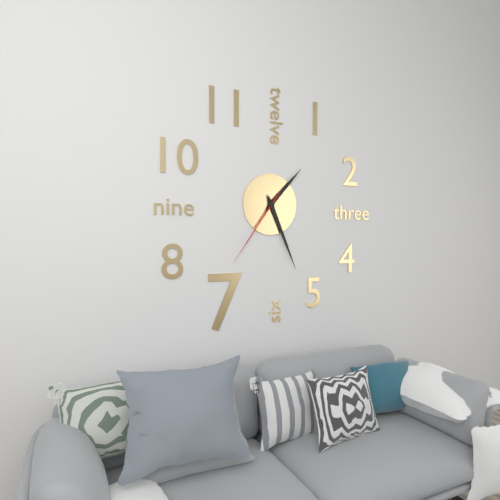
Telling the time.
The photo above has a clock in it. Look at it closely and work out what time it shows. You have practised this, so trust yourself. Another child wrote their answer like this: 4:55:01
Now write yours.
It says 1:26:36
